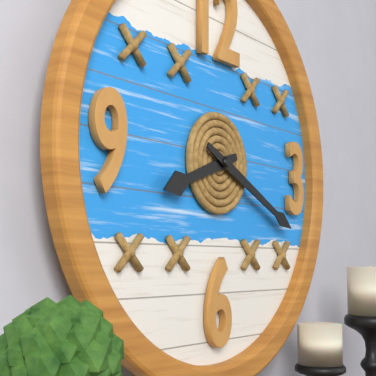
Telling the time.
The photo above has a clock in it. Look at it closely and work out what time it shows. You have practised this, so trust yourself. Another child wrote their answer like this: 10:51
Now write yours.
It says 8:19
